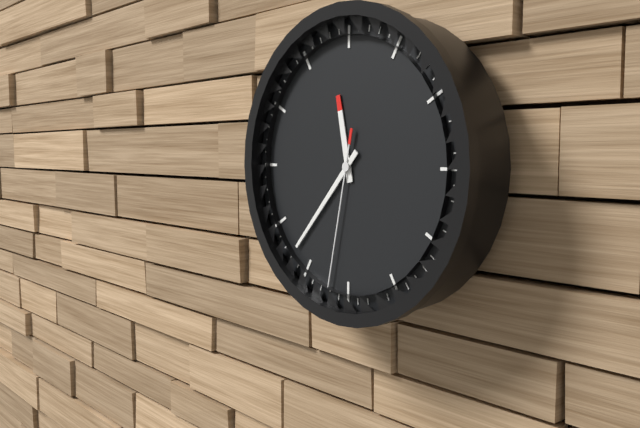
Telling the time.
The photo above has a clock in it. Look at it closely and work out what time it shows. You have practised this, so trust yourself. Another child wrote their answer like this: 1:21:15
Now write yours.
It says 11:37:32
